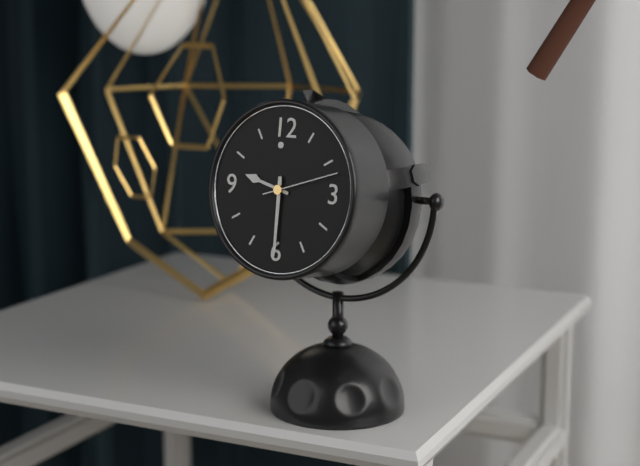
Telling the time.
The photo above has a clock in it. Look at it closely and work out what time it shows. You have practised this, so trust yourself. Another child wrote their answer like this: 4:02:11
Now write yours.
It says 9:30:12
